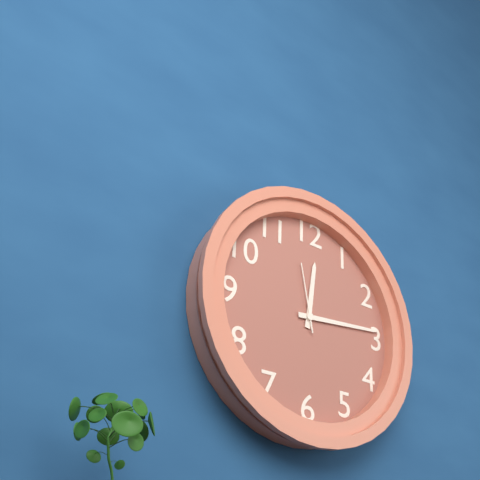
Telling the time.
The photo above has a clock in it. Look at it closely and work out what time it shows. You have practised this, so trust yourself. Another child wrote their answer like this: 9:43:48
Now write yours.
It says 12:14:58
